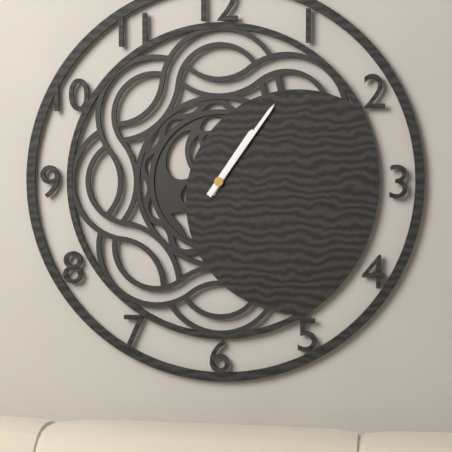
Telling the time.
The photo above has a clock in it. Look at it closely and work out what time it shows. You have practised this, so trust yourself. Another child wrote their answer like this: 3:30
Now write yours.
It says 1:06
